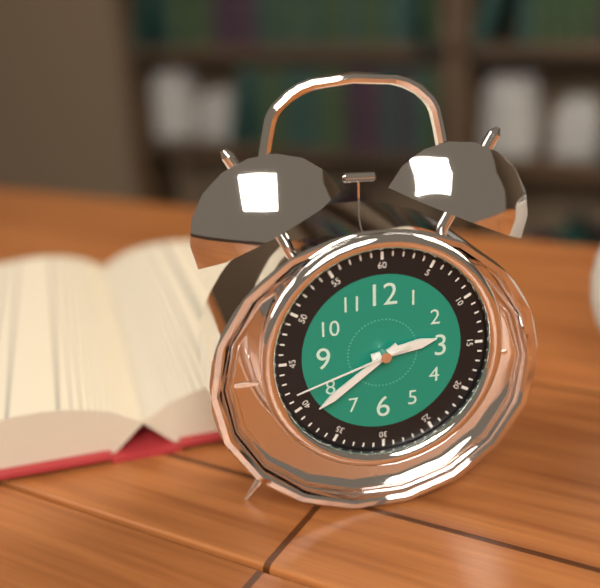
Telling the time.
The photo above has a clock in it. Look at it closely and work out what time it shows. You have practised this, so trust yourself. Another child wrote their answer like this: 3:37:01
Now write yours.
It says 2:39:42
